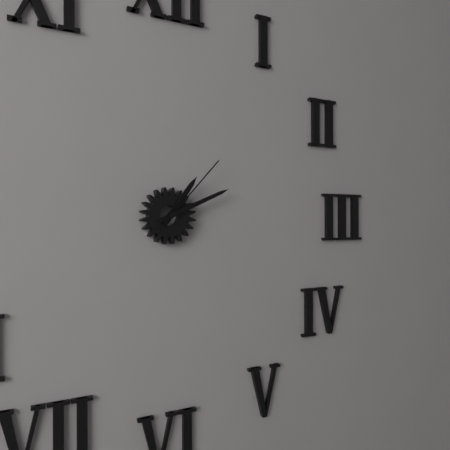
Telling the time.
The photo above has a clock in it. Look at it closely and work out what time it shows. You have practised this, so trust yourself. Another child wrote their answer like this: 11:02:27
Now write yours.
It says 1:11:07
